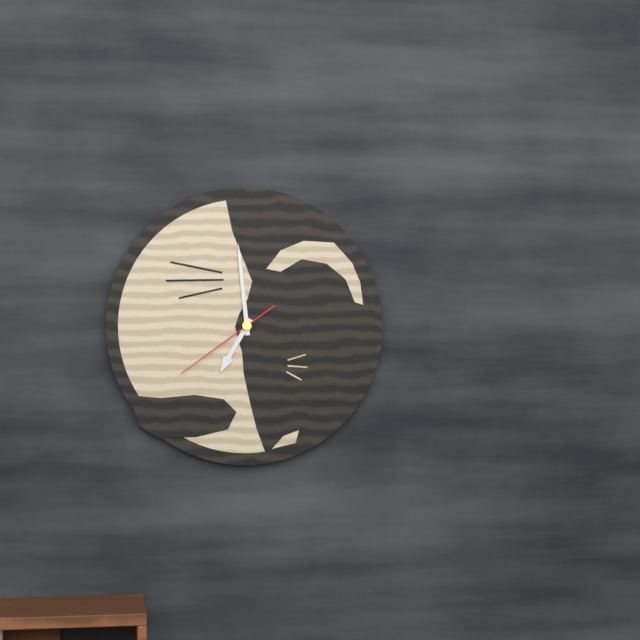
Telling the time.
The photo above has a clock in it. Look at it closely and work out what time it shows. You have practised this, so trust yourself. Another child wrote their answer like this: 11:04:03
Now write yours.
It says 6:59:39
